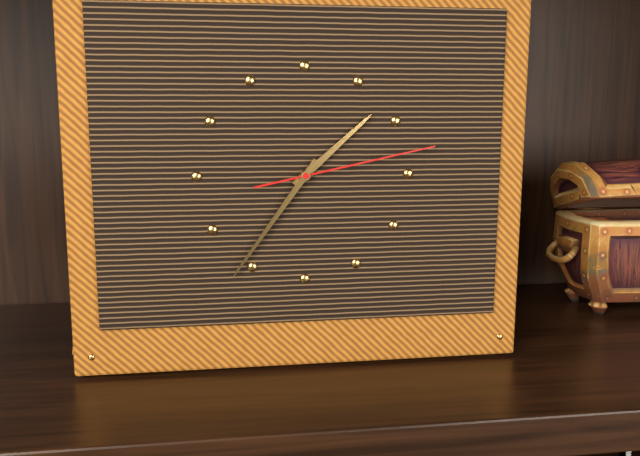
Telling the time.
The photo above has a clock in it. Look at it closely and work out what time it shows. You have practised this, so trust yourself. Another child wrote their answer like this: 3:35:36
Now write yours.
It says 1:36:13
